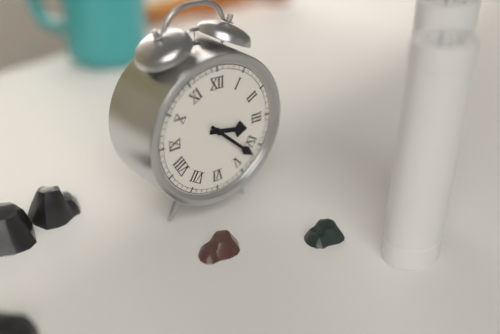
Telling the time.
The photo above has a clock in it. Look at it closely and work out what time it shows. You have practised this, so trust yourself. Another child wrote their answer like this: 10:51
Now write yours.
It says 3:22
